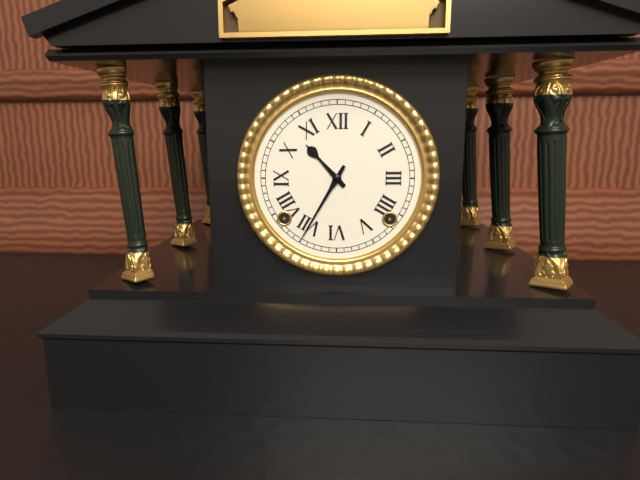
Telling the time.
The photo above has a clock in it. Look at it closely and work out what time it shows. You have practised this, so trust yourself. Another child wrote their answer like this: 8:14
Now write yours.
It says 10:35
